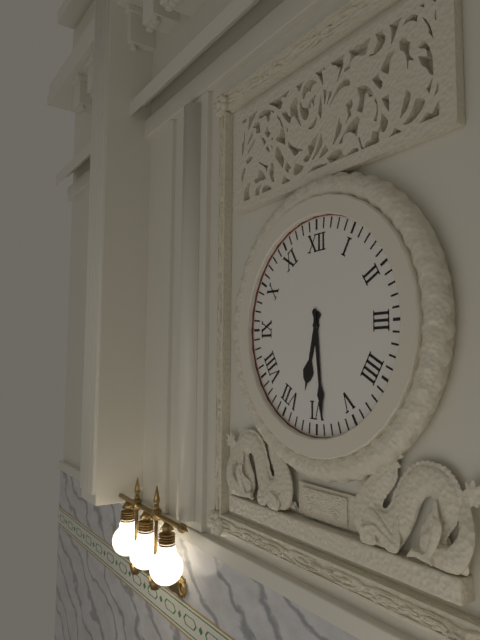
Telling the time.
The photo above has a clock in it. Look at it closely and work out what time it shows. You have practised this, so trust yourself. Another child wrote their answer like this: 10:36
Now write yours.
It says 6:29
